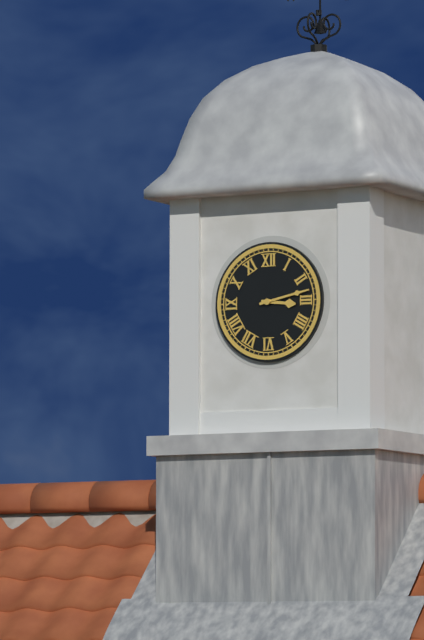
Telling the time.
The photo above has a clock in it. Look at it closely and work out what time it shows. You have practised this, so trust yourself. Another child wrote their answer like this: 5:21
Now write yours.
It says 3:13
